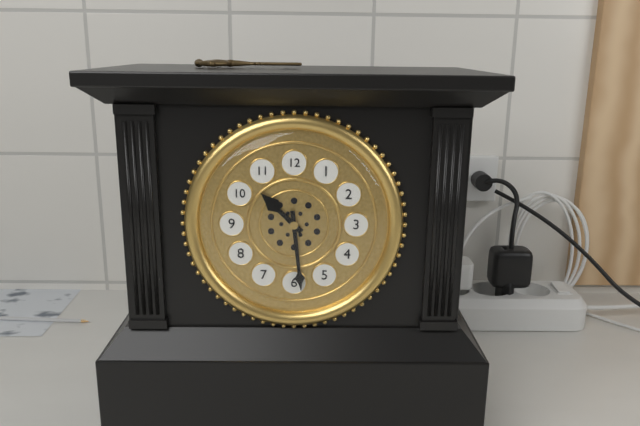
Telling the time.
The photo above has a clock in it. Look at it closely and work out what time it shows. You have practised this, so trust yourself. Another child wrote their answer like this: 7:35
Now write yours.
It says 10:29
